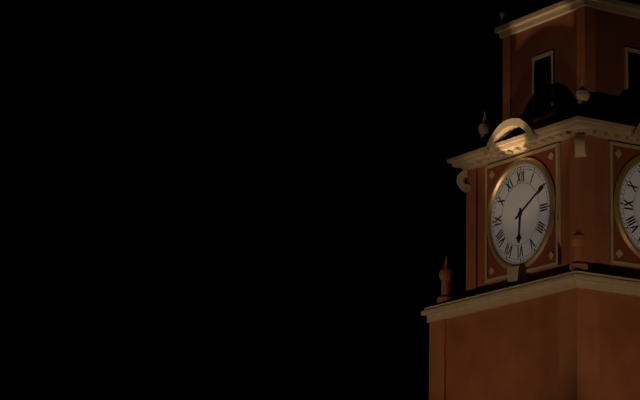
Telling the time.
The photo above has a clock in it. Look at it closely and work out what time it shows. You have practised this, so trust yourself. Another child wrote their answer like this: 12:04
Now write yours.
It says 6:10
